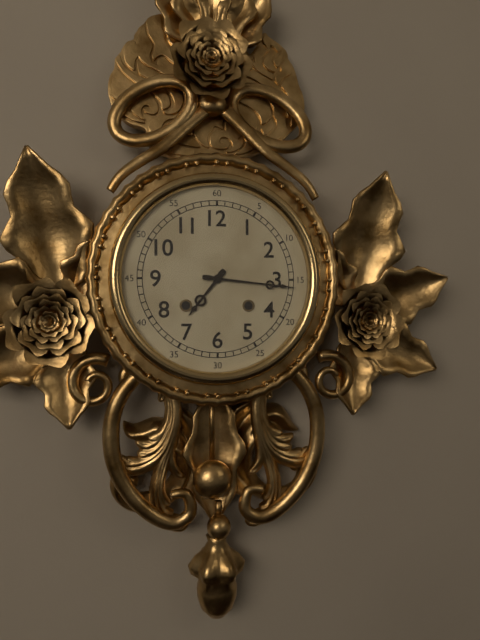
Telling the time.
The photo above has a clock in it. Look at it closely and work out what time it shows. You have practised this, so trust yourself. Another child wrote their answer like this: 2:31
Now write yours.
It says 7:16
